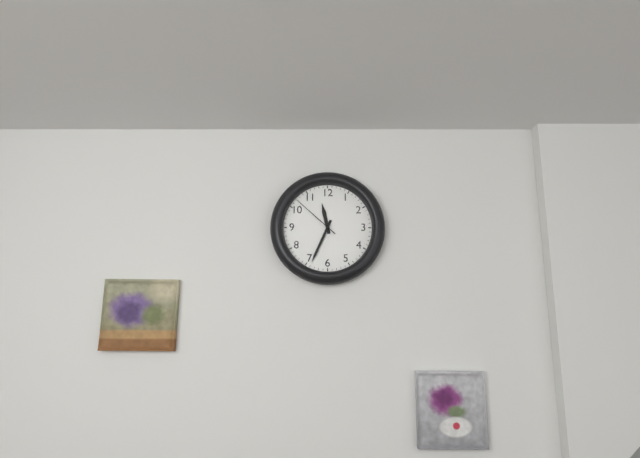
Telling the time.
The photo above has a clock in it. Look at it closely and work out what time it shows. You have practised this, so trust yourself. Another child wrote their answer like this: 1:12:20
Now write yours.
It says 11:34:52
